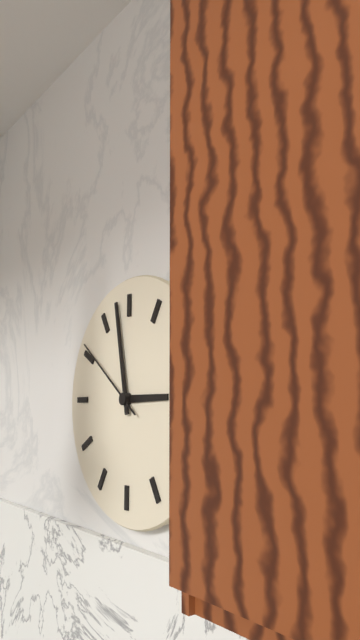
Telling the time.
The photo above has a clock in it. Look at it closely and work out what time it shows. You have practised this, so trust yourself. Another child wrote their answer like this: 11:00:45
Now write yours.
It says 2:58:51
